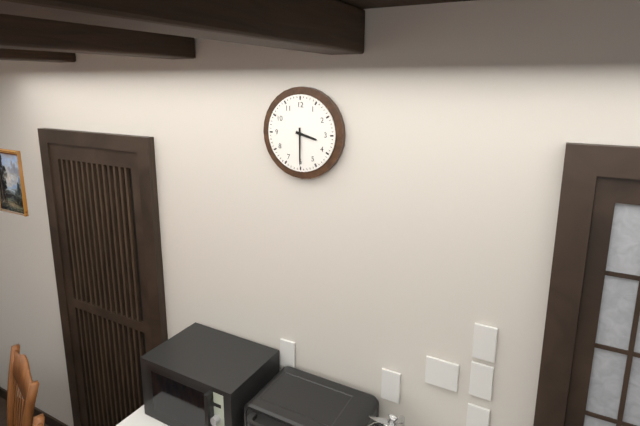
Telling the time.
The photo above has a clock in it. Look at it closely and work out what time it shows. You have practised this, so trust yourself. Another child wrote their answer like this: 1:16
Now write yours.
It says 3:30
